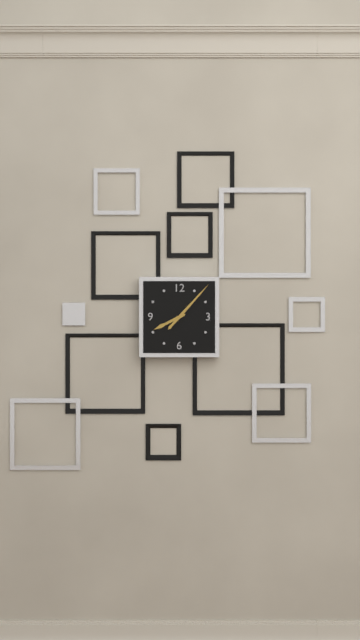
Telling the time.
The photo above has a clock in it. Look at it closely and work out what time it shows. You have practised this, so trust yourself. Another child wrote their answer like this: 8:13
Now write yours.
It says 8:07
